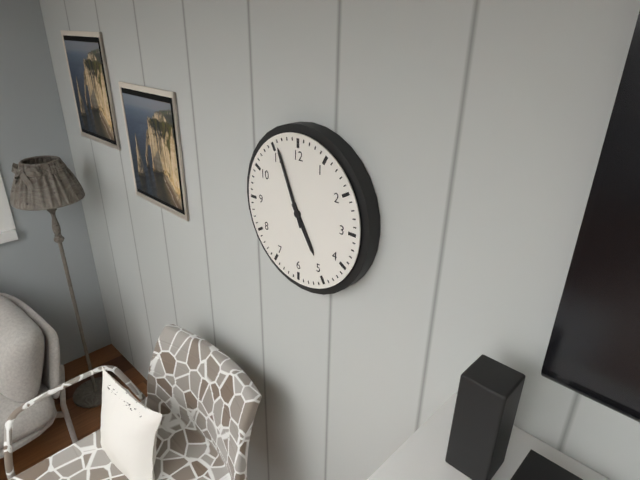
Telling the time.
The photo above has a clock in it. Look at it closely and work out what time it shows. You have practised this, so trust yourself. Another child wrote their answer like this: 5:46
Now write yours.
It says 4:56
